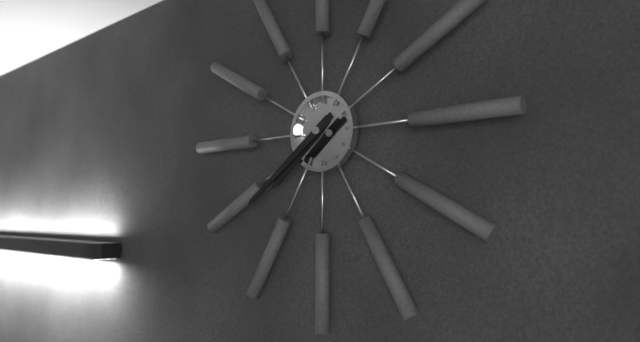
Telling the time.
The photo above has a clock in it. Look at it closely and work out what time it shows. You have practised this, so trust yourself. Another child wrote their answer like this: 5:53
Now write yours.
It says 7:39
